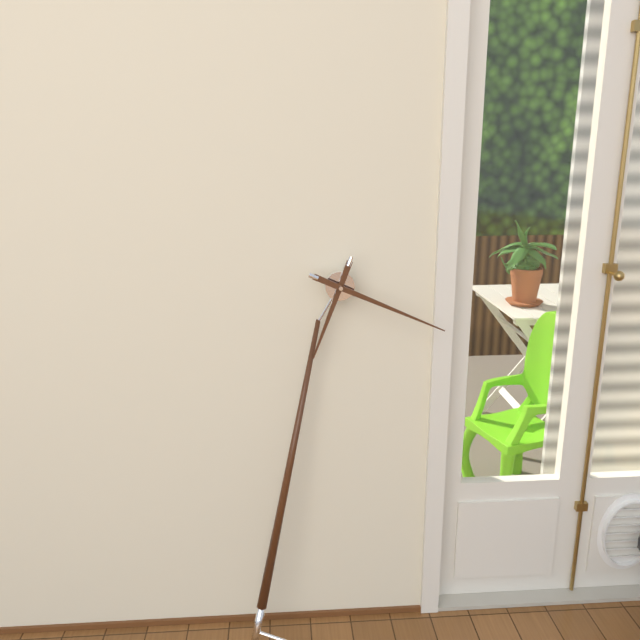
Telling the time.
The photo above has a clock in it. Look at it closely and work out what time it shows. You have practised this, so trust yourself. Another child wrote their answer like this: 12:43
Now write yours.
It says 6:17
